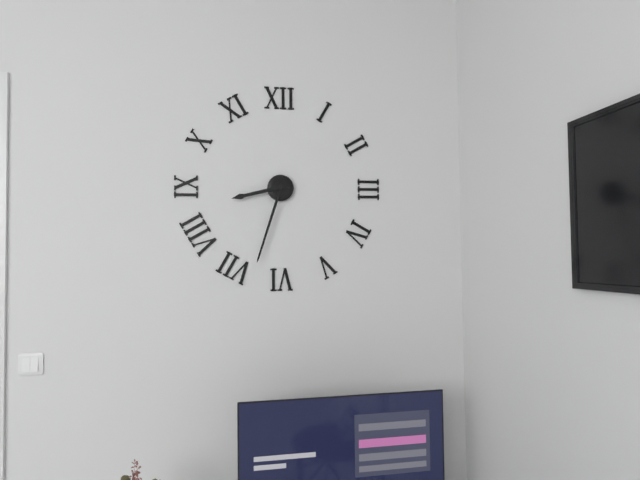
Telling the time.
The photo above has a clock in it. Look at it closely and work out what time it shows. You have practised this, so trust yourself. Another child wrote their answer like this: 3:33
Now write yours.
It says 8:33
